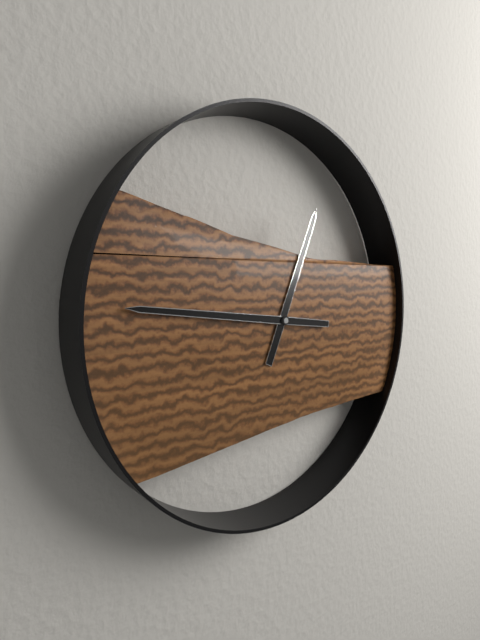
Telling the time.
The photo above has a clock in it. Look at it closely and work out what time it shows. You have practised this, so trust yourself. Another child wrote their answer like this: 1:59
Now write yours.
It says 12:46
